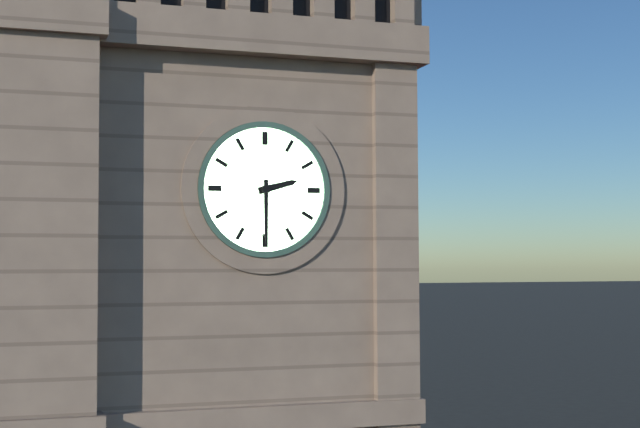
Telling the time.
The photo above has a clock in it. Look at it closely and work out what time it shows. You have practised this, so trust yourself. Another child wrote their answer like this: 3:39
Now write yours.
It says 2:30
